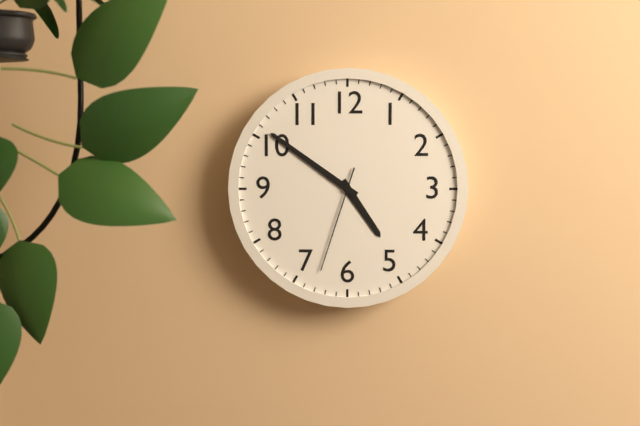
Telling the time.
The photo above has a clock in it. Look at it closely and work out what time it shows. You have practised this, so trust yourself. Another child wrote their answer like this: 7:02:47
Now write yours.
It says 4:51:33
